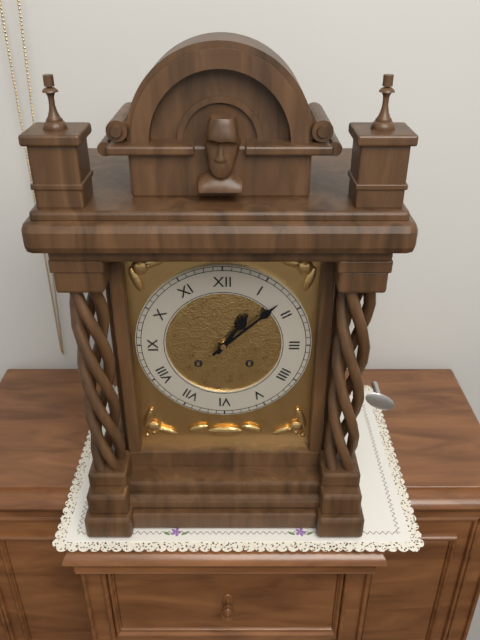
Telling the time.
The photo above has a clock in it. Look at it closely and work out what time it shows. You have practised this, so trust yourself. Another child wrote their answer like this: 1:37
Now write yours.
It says 1:08
